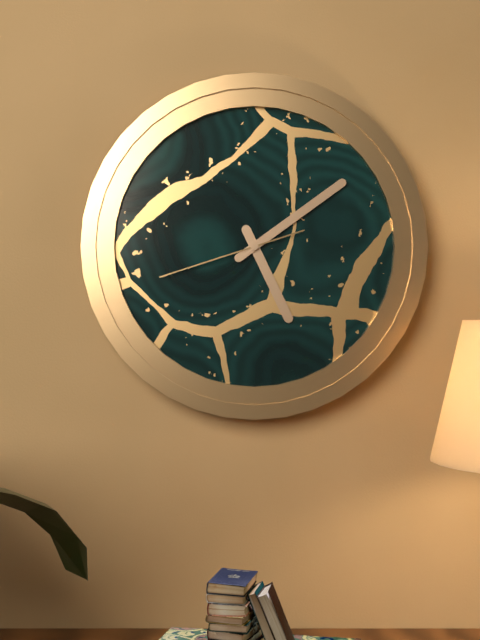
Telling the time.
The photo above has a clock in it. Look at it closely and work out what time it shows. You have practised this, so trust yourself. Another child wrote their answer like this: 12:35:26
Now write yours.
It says 5:09:42
